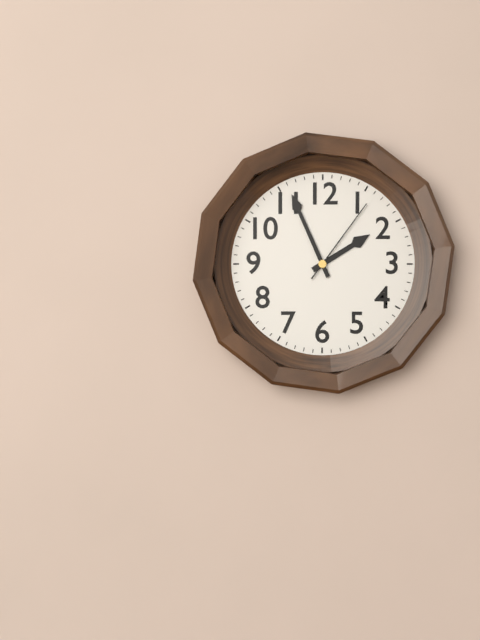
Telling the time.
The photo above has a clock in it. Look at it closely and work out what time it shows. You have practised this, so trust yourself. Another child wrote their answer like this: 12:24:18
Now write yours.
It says 1:56:06
